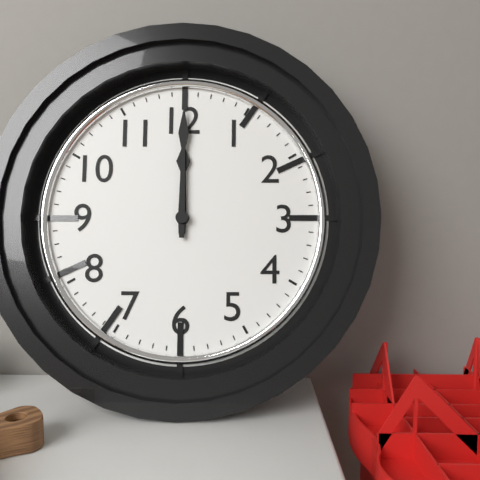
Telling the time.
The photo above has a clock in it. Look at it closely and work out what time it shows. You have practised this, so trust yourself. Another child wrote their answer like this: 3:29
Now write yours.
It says 12:00
